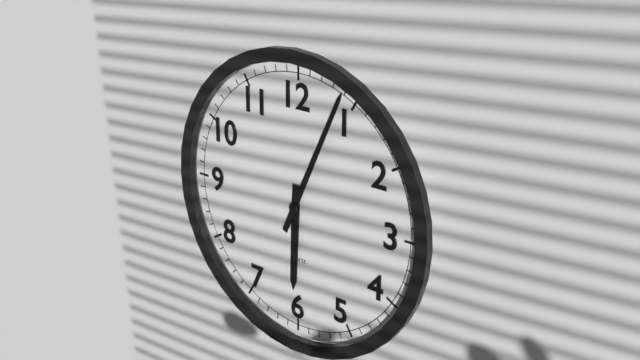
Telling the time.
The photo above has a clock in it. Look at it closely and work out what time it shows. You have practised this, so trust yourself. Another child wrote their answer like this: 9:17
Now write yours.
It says 6:04
